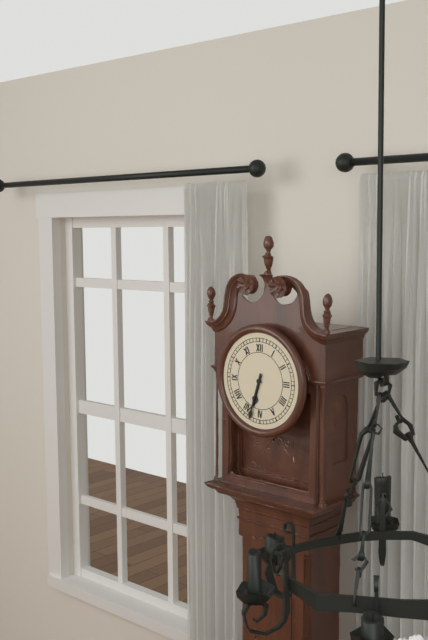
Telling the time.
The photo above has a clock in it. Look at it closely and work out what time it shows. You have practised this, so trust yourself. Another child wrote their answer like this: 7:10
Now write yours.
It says 6:33
